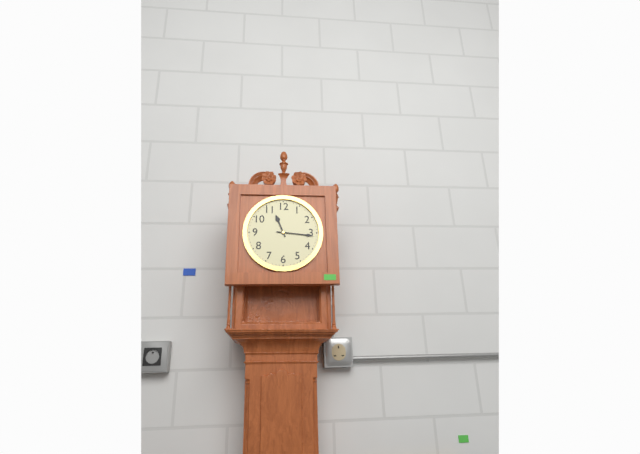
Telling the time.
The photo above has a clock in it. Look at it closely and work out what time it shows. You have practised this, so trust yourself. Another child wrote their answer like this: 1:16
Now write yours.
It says 11:16
